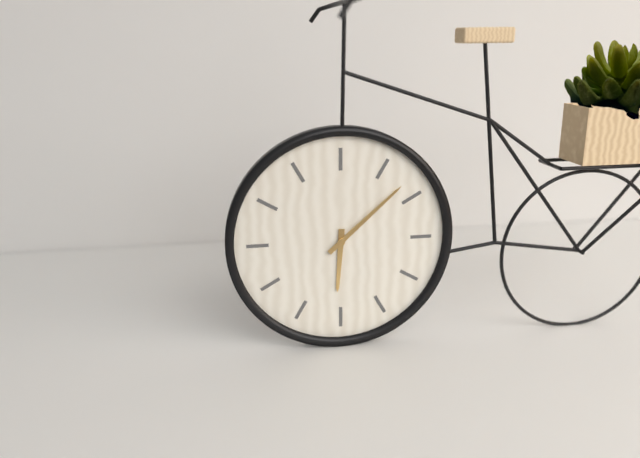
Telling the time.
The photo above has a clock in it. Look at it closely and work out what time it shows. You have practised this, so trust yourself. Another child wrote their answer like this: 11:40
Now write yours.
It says 6:08
